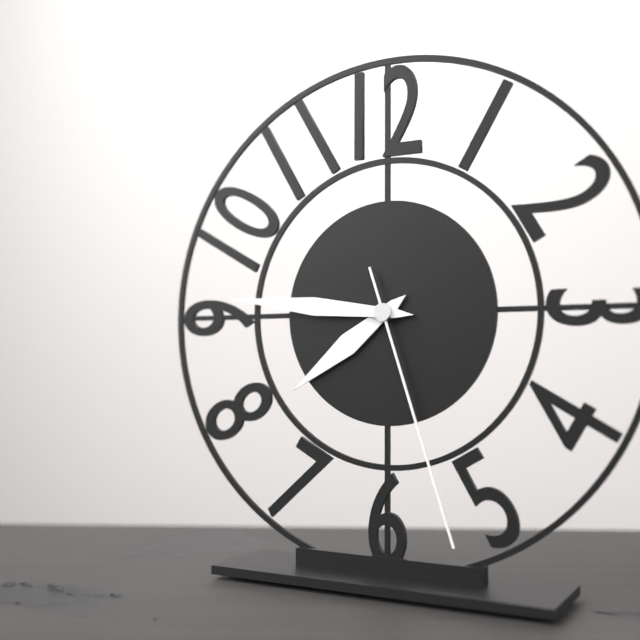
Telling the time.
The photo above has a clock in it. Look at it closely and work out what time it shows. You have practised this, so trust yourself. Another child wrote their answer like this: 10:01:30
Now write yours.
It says 7:46:27
